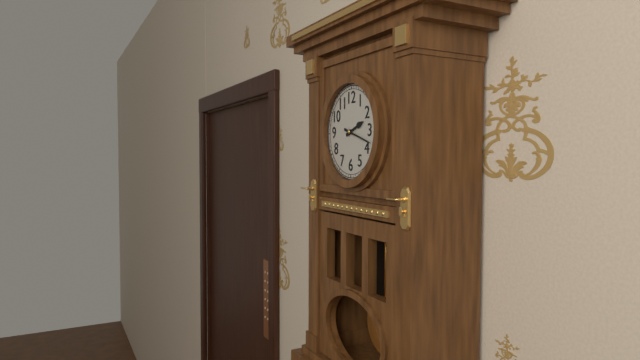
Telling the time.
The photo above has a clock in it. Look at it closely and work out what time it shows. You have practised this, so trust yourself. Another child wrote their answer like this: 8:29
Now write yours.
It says 2:18
